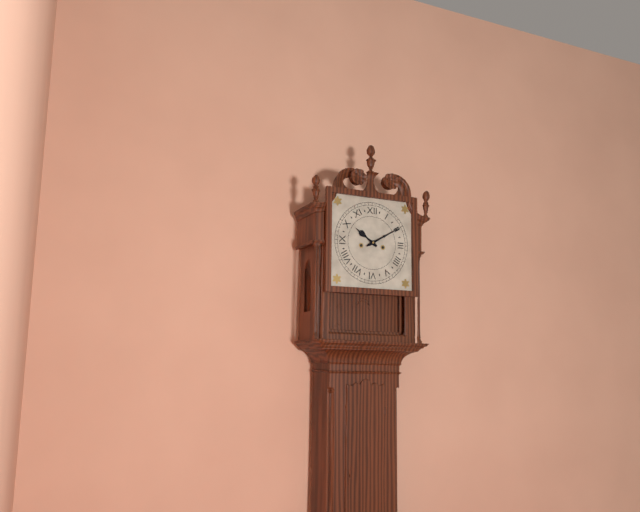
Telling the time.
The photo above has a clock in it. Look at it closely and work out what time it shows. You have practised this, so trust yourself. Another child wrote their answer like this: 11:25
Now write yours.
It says 10:10
